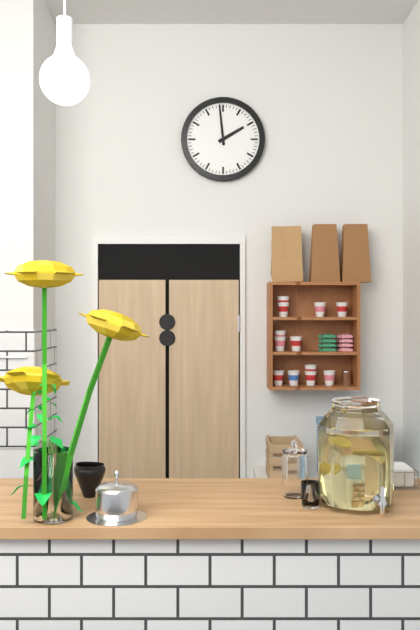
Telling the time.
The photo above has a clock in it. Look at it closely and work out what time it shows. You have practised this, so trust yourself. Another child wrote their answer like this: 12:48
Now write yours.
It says 1:59
